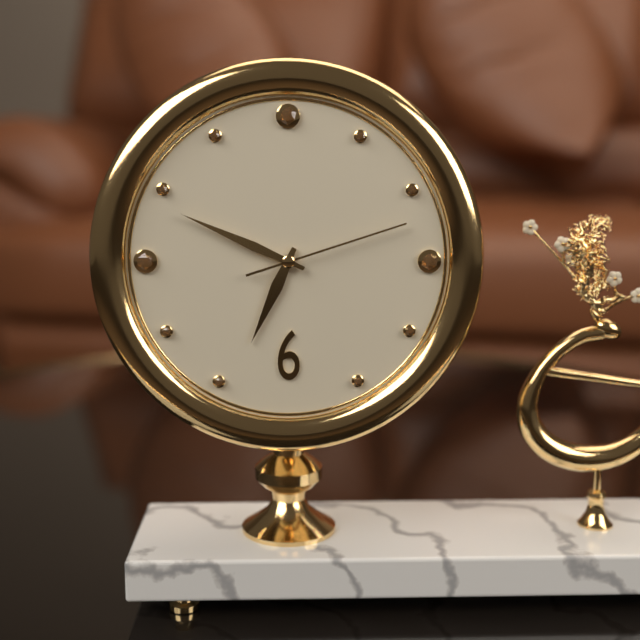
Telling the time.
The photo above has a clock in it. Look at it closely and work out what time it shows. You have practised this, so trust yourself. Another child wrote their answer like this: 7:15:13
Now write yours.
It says 6:49:12
